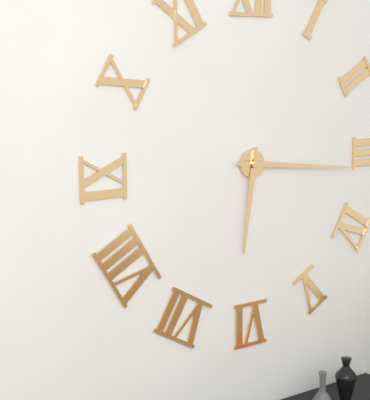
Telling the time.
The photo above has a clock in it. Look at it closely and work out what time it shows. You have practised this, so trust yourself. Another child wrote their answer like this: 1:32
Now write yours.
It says 6:16
